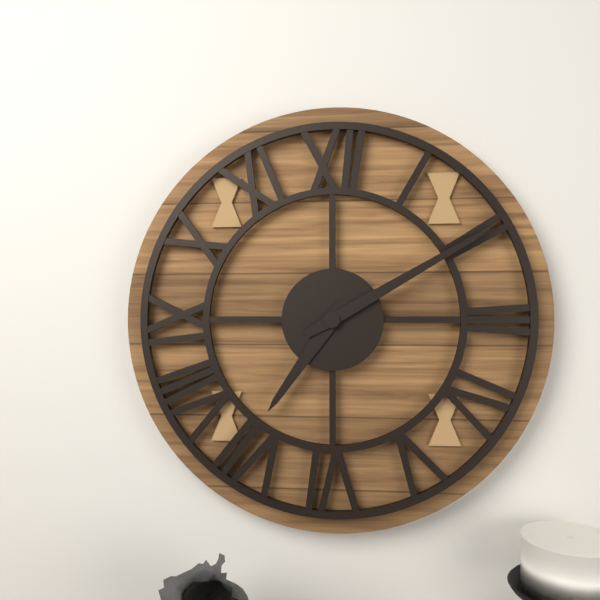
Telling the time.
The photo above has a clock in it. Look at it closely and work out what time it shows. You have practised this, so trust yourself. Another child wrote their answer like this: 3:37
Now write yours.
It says 7:10
